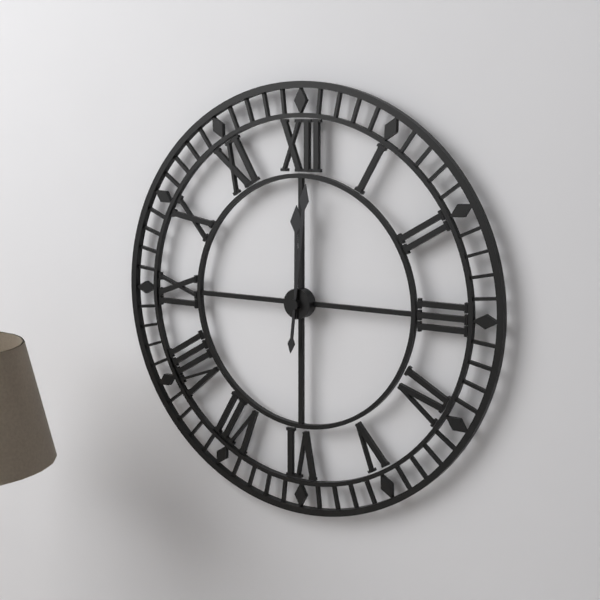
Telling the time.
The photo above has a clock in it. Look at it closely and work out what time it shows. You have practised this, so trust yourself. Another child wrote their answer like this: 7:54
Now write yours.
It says 12:01
